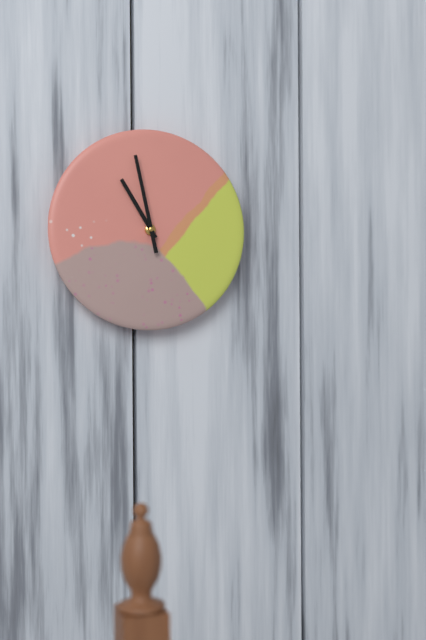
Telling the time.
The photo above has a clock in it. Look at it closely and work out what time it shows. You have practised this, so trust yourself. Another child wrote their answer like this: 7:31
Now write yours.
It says 10:58
